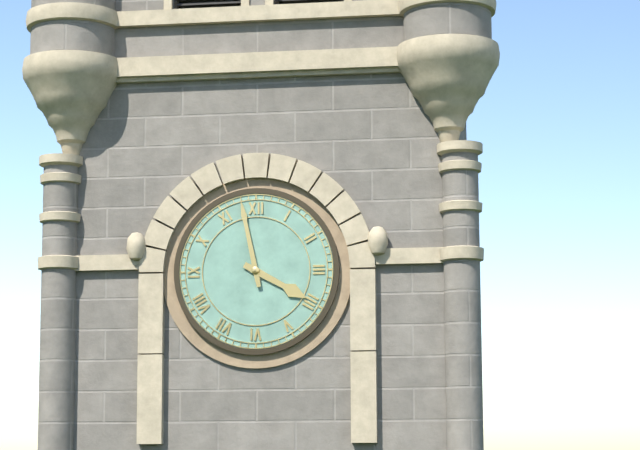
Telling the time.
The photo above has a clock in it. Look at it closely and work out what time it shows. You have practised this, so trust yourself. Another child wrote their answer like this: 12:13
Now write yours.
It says 3:58
